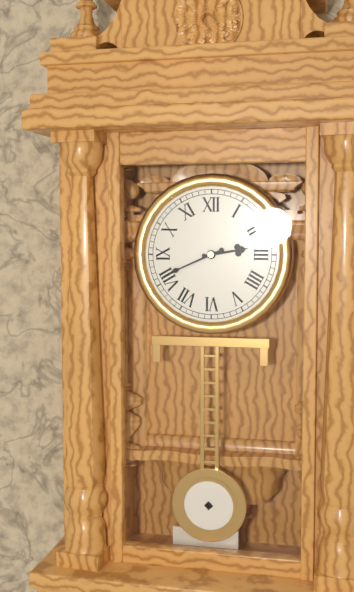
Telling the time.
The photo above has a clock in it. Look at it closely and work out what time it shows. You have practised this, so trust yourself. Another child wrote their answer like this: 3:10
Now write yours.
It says 2:41
